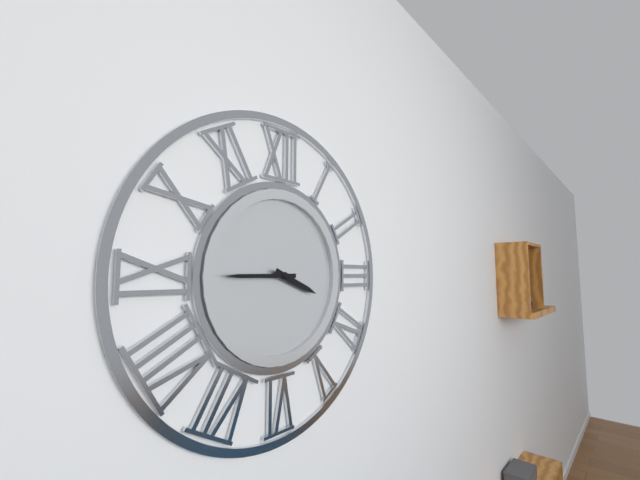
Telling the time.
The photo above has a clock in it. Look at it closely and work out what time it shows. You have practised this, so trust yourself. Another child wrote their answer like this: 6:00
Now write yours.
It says 3:45
